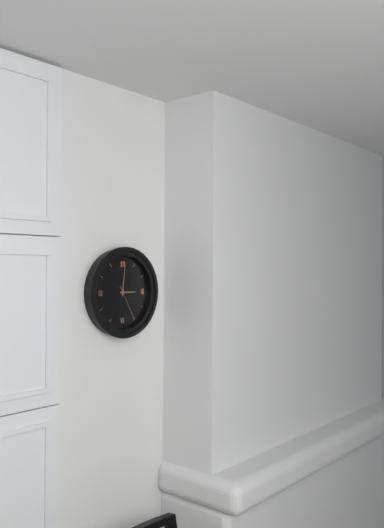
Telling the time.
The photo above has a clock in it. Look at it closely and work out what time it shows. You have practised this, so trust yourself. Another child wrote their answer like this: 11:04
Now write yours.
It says 3:01
